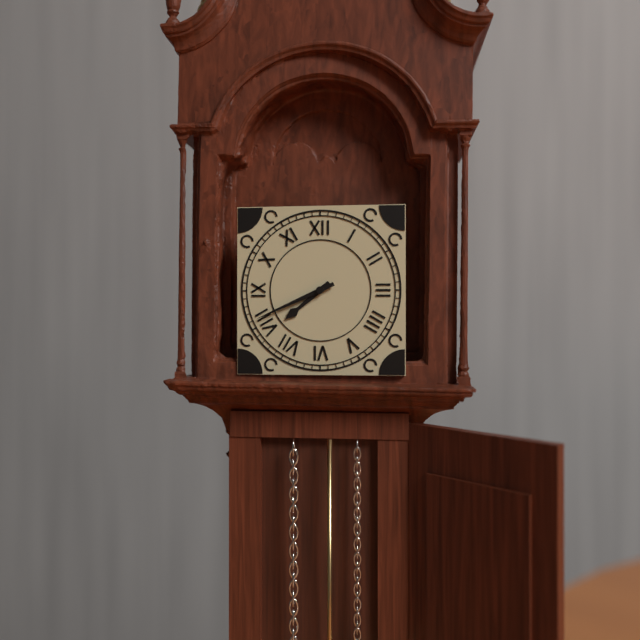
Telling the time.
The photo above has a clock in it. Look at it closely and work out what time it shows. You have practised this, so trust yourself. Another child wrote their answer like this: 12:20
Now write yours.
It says 7:41
